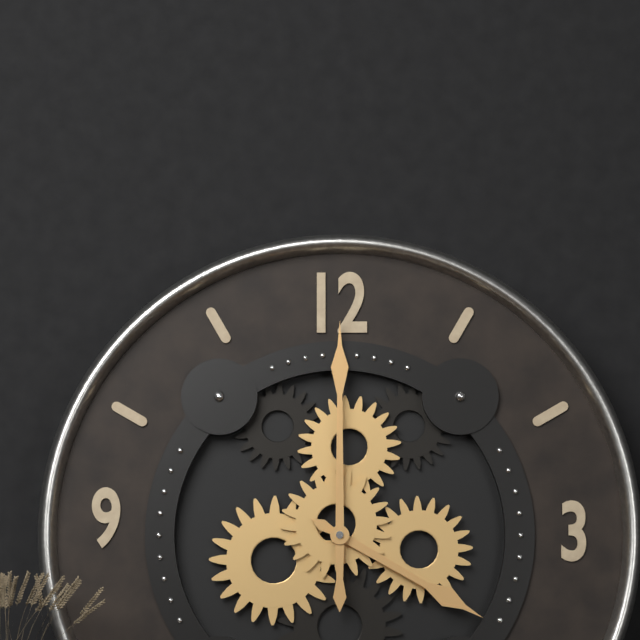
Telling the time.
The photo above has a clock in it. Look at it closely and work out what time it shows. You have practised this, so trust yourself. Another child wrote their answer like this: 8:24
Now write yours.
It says 4:00
